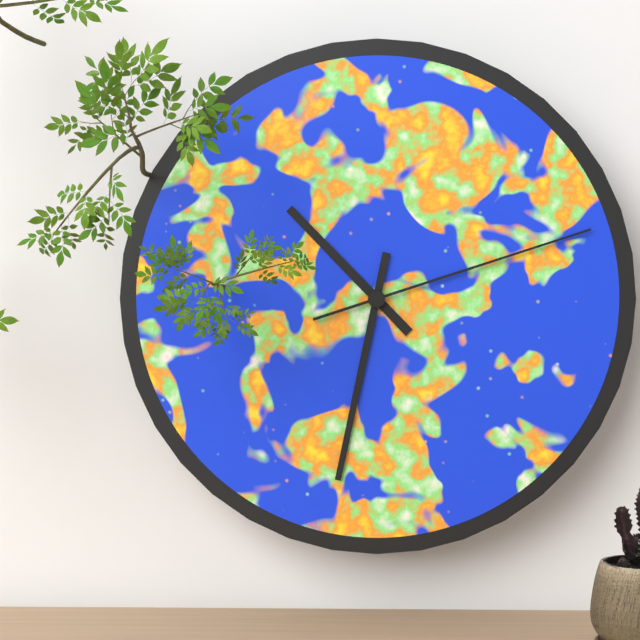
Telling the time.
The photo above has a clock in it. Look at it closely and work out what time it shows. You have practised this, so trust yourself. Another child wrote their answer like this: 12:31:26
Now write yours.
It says 10:32:12
